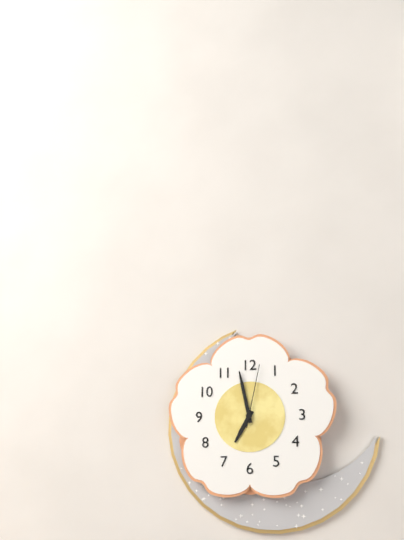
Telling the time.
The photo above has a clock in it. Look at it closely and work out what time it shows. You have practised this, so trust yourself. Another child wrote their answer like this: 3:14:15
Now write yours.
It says 6:58:02
